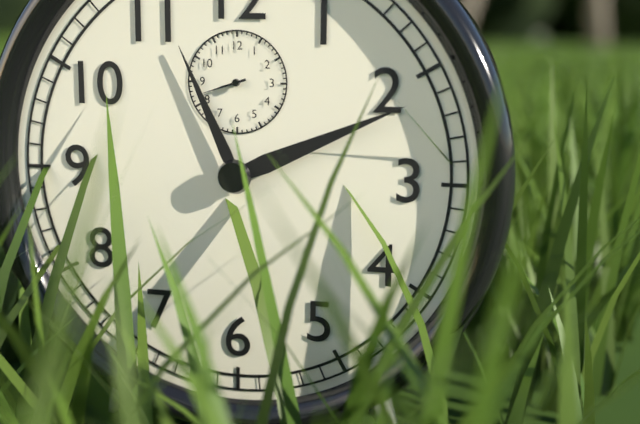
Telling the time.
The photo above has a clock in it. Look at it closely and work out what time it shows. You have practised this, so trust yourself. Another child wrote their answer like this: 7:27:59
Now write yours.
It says 11:11:42
